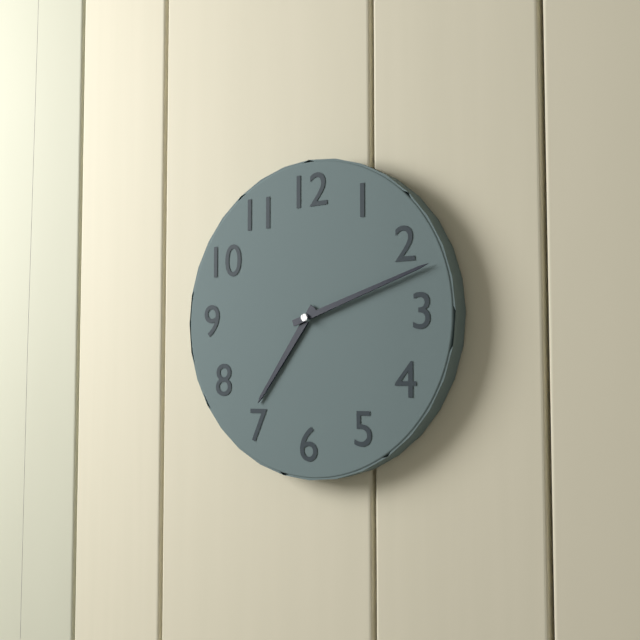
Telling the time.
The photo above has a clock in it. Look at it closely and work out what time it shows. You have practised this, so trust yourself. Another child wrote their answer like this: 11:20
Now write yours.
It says 7:12
